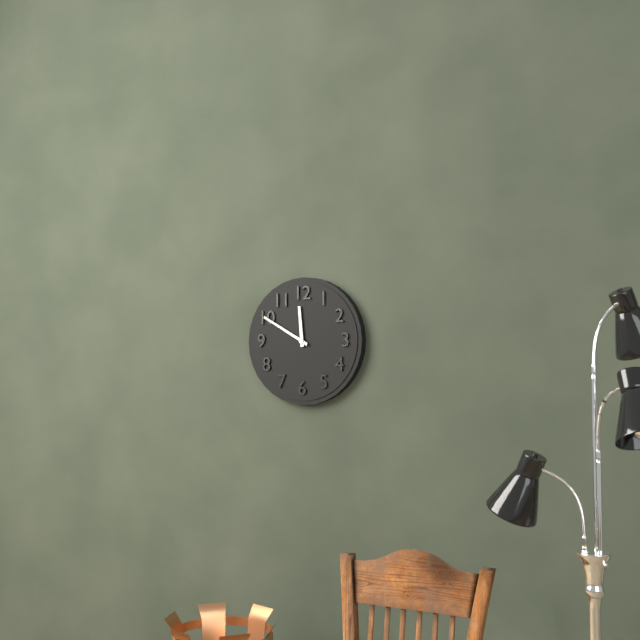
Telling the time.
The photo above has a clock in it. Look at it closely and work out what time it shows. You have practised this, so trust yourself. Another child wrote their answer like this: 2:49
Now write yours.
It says 11:50
